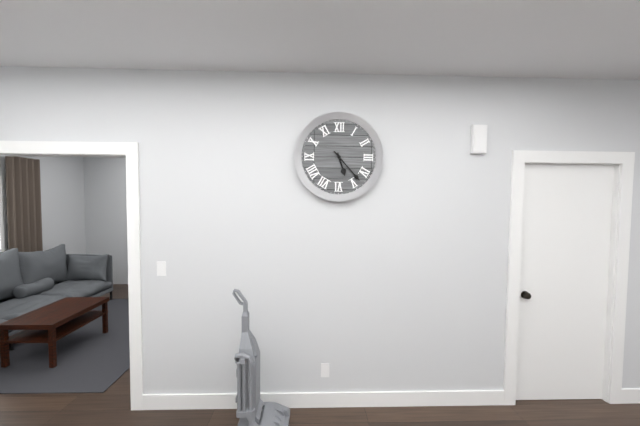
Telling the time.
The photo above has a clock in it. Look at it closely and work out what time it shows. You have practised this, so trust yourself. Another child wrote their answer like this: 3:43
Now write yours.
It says 5:23
